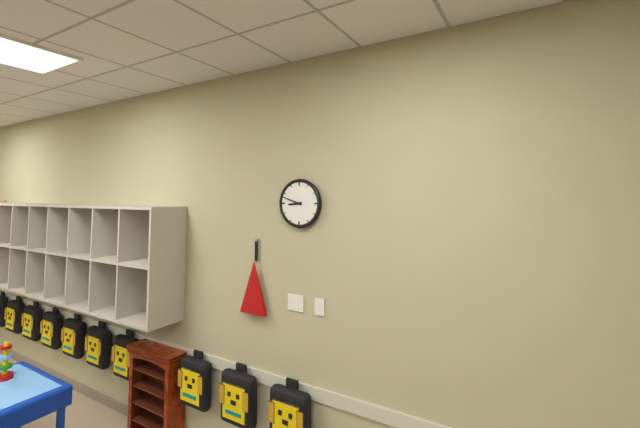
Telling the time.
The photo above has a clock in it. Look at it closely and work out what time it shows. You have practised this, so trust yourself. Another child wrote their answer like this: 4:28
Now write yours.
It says 8:48
